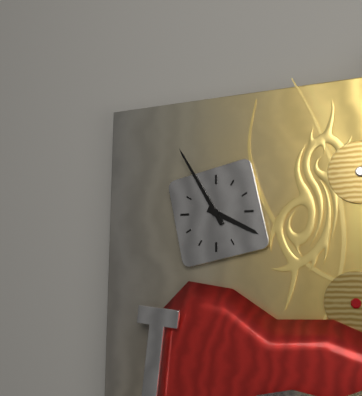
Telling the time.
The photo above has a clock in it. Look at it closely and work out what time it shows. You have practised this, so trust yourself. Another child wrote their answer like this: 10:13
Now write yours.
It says 3:55
